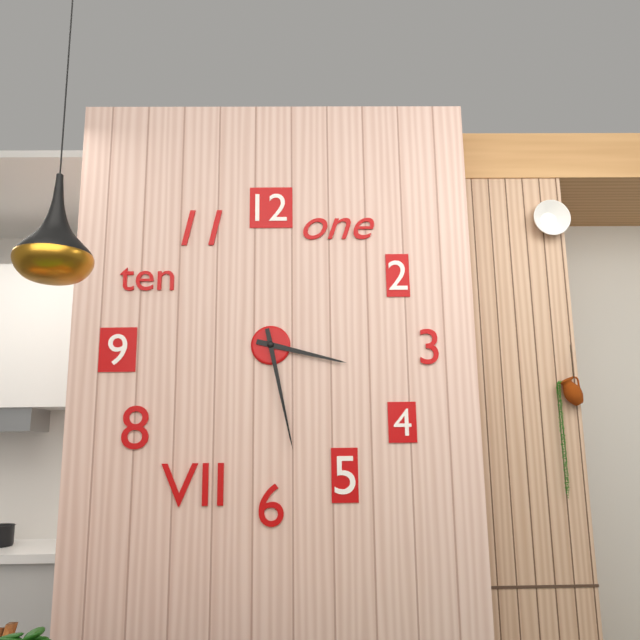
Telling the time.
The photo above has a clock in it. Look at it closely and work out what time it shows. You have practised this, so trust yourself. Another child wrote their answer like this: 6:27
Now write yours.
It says 3:28
